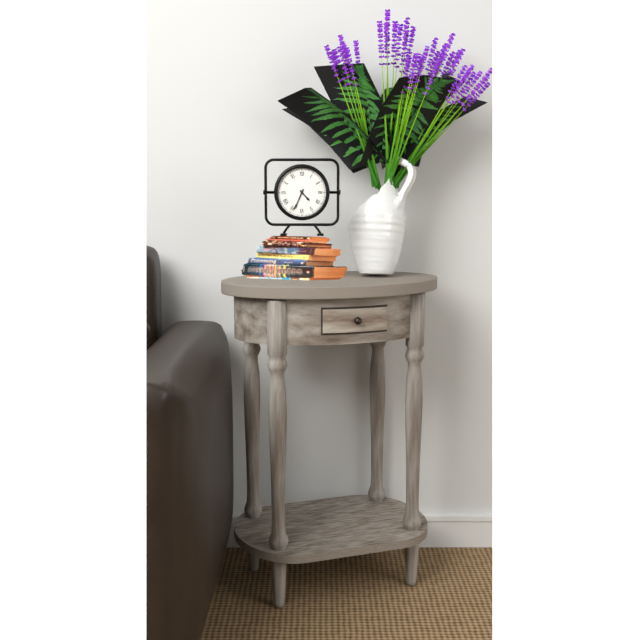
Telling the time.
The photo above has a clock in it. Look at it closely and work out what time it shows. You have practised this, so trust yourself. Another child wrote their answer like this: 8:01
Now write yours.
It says 4:34
